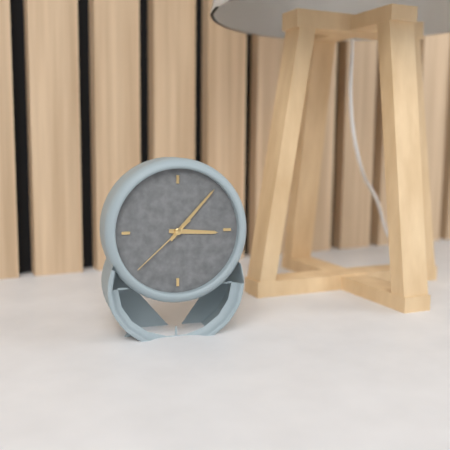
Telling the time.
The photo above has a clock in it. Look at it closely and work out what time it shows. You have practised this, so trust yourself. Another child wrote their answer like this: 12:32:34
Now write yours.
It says 3:07:38
